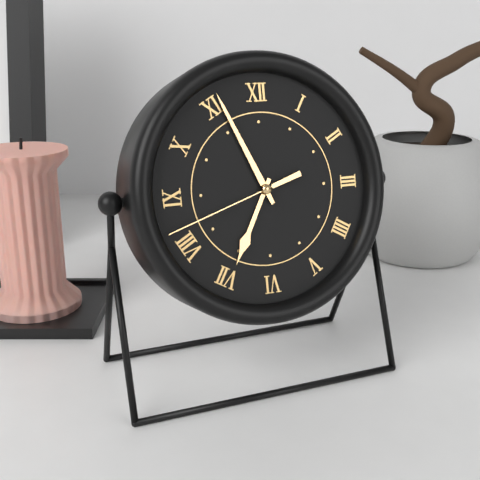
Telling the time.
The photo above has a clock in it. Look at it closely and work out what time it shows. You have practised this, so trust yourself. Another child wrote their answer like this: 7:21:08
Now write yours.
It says 6:56:42
